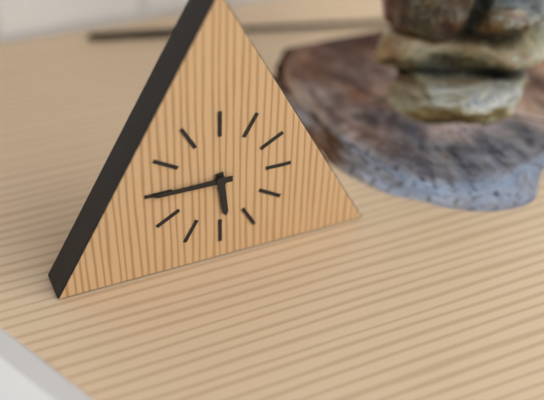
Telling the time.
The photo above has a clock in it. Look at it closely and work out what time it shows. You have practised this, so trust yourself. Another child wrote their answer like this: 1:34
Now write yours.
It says 5:45
